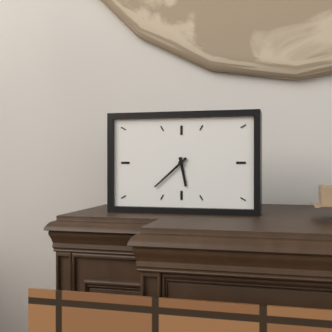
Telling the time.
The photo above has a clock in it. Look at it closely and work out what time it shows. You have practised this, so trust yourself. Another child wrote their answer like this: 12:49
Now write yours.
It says 5:38
